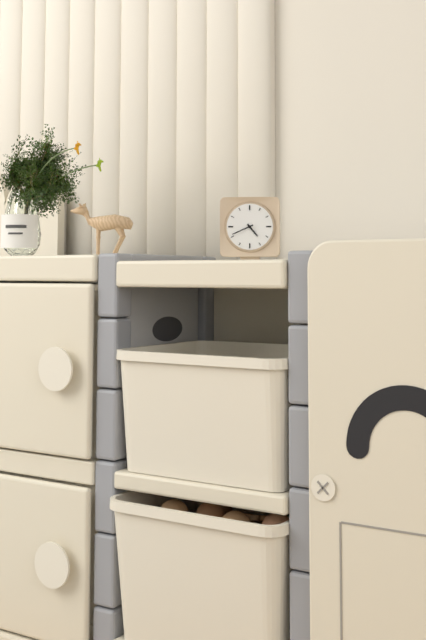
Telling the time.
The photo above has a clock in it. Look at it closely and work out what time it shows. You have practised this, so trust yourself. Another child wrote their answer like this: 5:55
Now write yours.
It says 4:41
